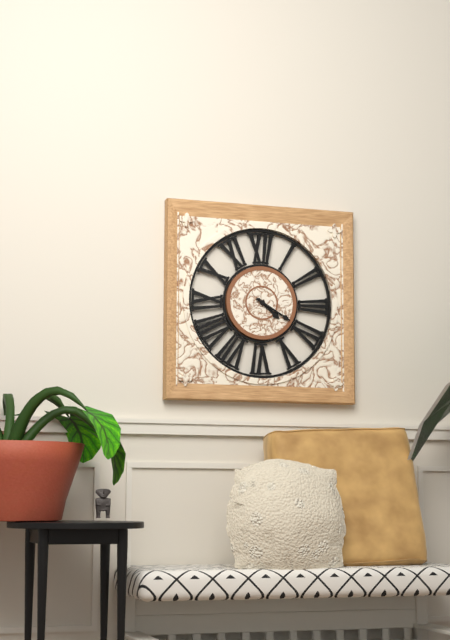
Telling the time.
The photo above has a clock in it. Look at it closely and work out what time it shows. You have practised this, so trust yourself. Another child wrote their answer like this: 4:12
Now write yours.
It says 4:20
